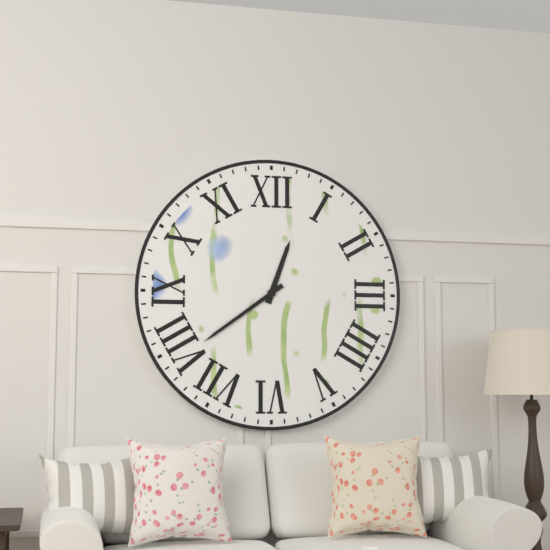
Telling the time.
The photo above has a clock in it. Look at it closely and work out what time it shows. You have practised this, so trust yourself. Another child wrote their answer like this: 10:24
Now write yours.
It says 12:39
